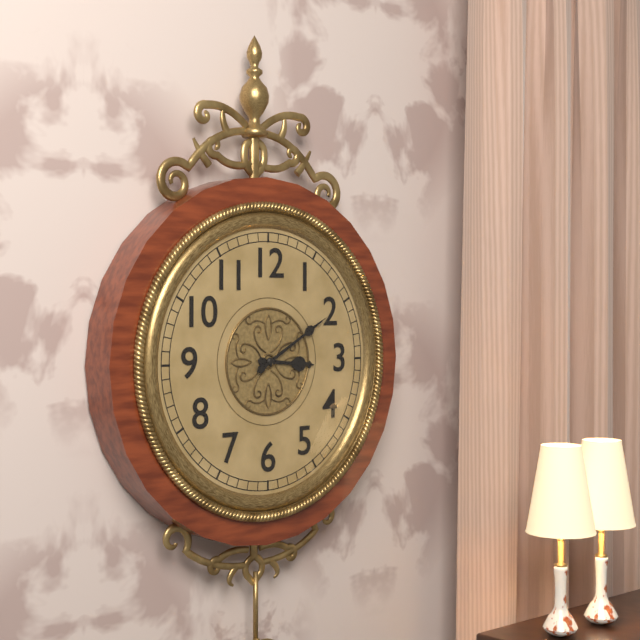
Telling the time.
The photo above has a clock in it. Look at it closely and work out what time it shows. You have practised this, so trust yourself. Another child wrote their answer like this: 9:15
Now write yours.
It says 3:10
